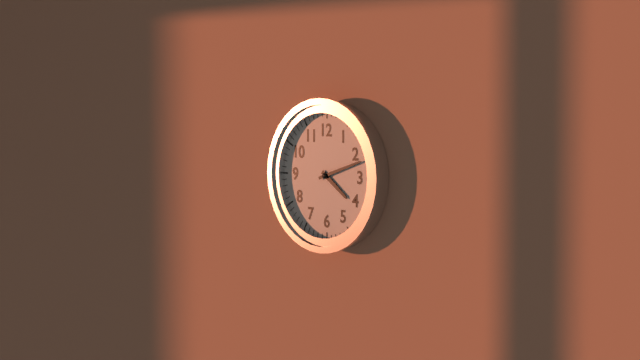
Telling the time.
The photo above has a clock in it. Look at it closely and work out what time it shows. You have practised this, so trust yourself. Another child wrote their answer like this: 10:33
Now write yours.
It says 4:12
